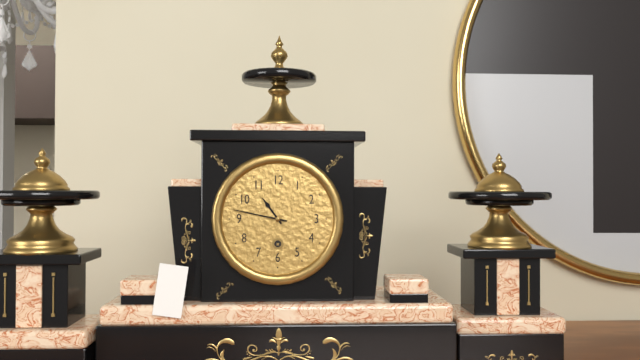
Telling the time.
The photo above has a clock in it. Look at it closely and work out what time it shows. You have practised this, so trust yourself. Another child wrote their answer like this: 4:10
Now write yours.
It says 10:47
